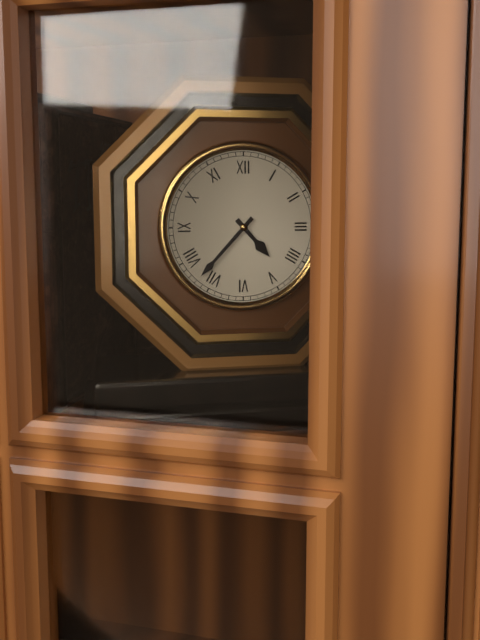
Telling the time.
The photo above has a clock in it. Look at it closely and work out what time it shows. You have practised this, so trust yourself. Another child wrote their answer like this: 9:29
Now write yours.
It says 4:37
